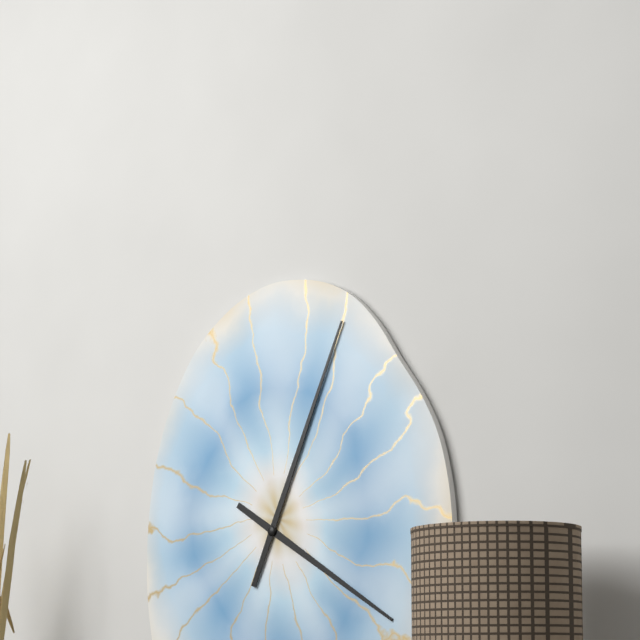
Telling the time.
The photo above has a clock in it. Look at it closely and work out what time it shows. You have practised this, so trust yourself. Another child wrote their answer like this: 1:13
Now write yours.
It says 4:04
